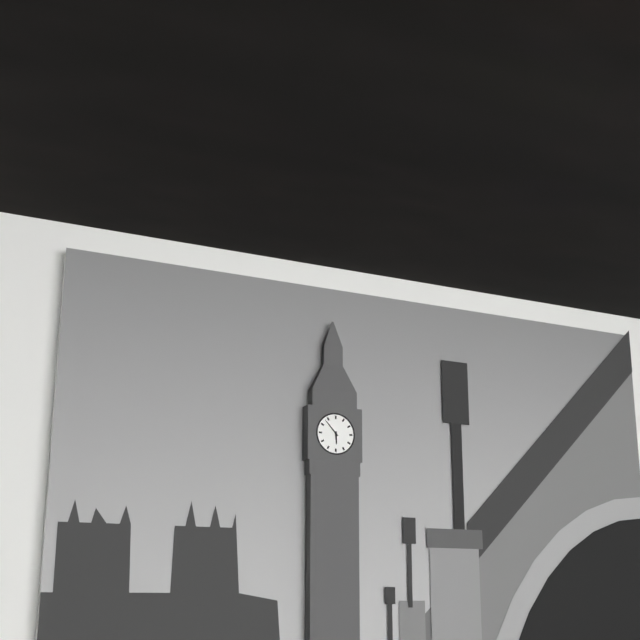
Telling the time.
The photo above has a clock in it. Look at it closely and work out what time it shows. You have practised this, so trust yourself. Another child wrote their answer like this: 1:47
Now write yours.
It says 5:53
